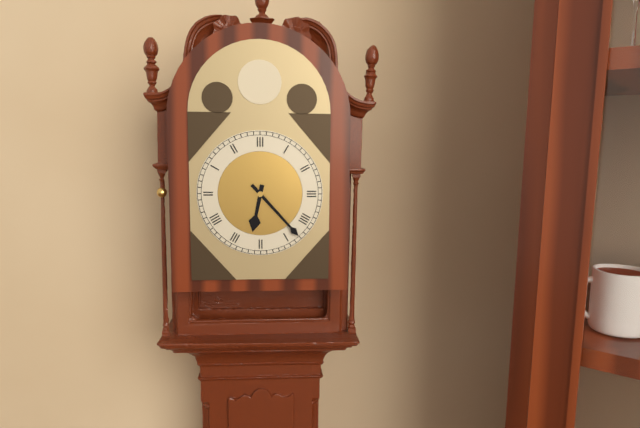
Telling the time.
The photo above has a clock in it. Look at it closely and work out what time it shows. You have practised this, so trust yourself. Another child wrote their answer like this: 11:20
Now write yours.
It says 6:23
